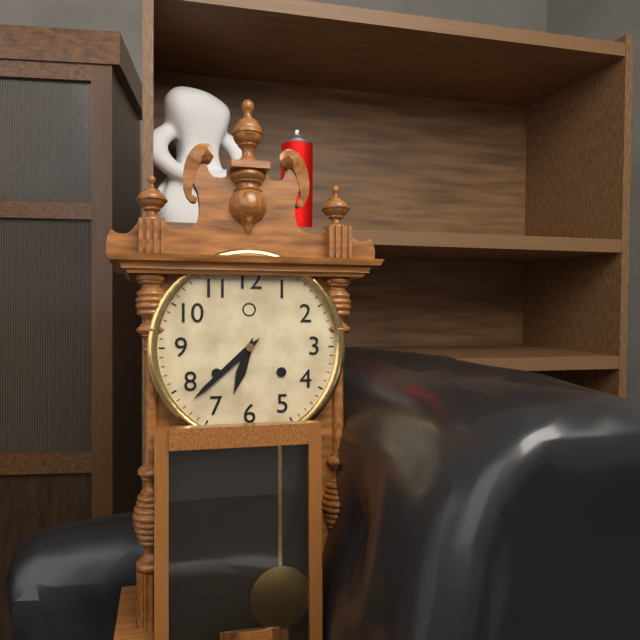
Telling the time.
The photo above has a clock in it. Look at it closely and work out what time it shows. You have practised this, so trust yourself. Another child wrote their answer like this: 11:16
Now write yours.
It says 6:38
